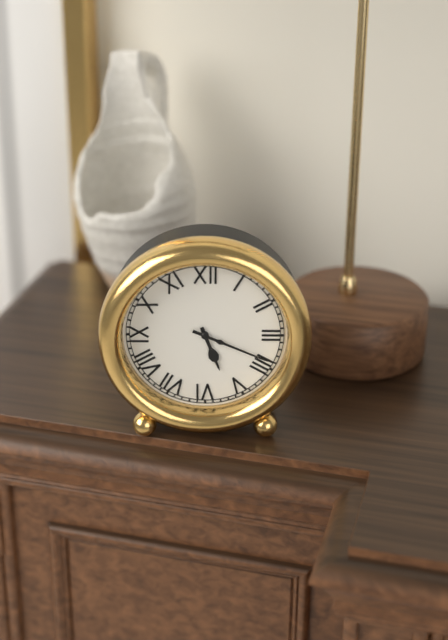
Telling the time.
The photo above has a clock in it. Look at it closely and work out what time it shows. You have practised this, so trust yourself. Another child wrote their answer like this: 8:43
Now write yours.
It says 5:19
